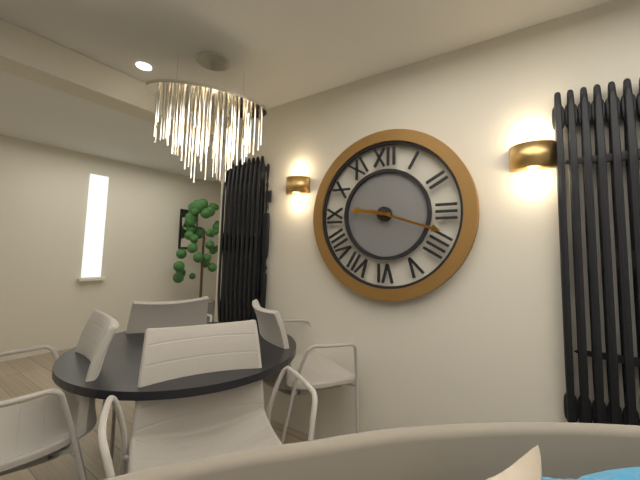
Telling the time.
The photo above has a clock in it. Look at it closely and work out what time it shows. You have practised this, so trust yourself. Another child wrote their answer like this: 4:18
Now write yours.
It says 9:18
